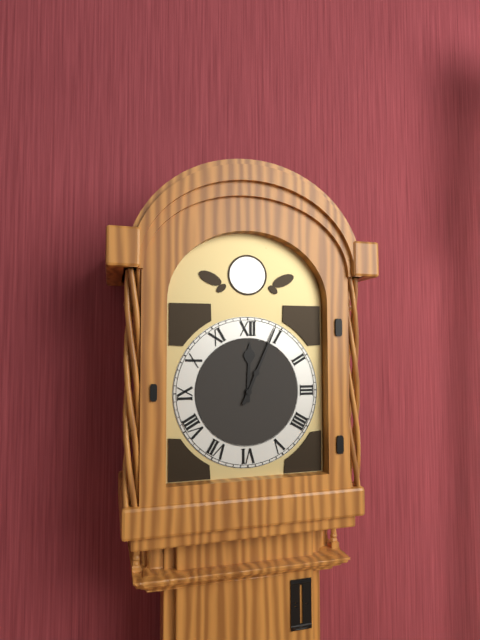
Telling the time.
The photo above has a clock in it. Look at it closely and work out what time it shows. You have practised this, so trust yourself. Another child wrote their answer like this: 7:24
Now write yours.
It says 12:04
